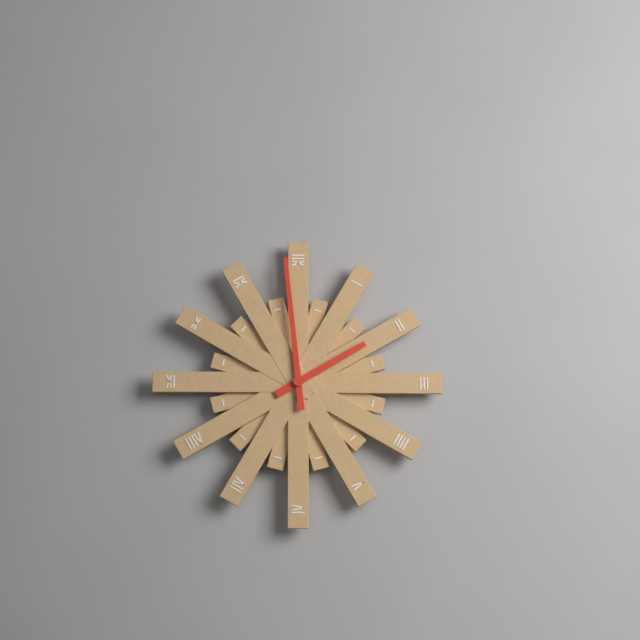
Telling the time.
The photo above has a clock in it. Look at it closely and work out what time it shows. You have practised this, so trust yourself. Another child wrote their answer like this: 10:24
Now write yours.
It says 1:59
